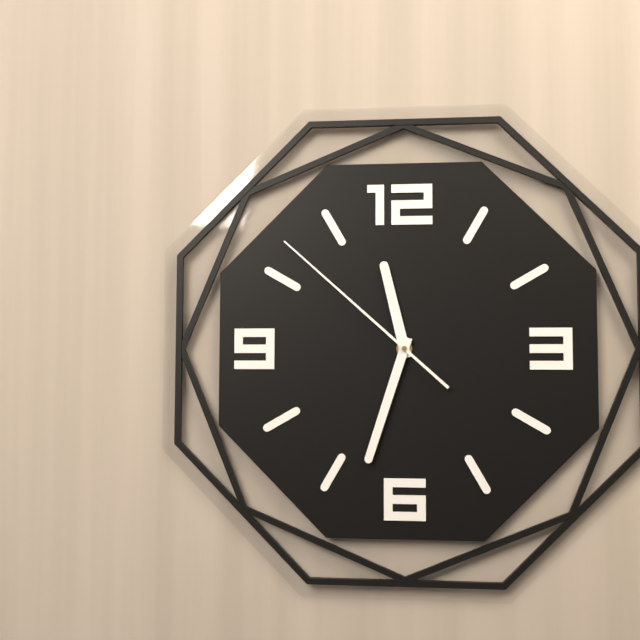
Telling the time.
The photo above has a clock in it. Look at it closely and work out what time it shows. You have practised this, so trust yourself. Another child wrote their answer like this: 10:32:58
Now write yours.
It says 11:33:52
